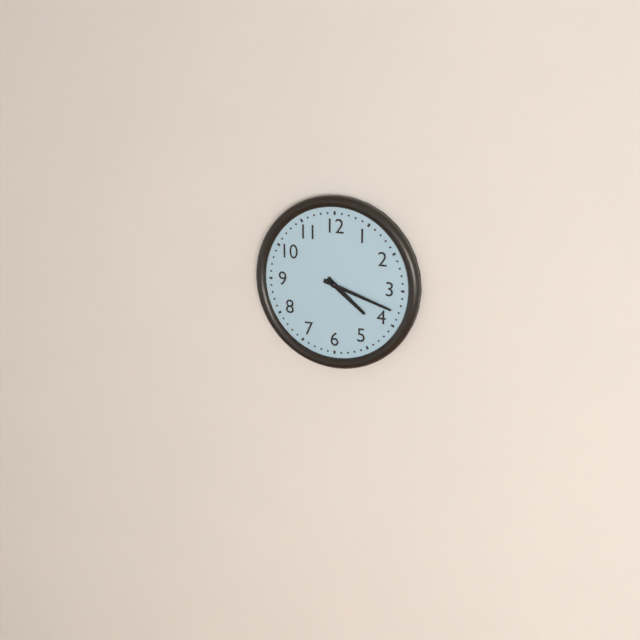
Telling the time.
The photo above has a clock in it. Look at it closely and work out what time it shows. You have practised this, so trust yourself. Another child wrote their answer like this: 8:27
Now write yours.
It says 4:18
